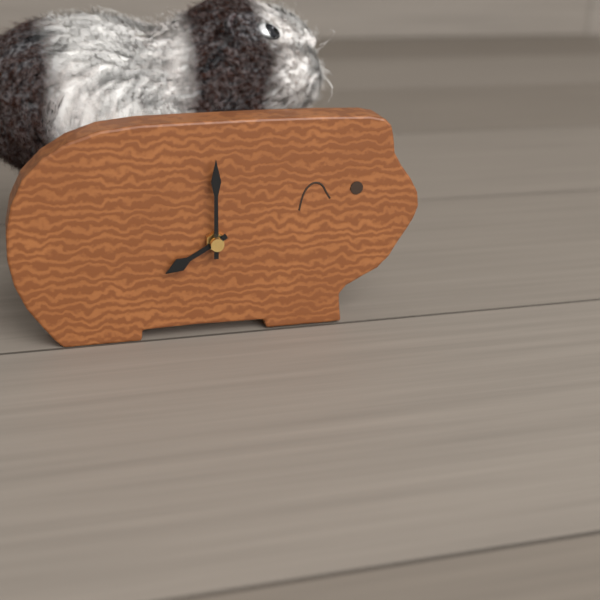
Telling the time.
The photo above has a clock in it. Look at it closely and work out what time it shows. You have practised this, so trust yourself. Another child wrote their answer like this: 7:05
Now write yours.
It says 8:00
